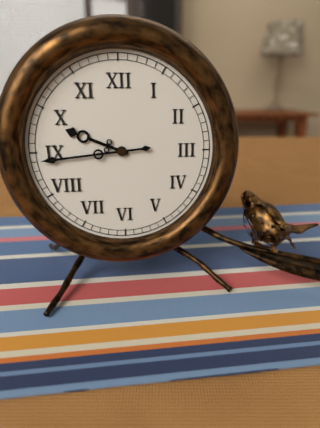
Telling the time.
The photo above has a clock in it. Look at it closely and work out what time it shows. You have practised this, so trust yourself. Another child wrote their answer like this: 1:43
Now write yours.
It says 9:44
